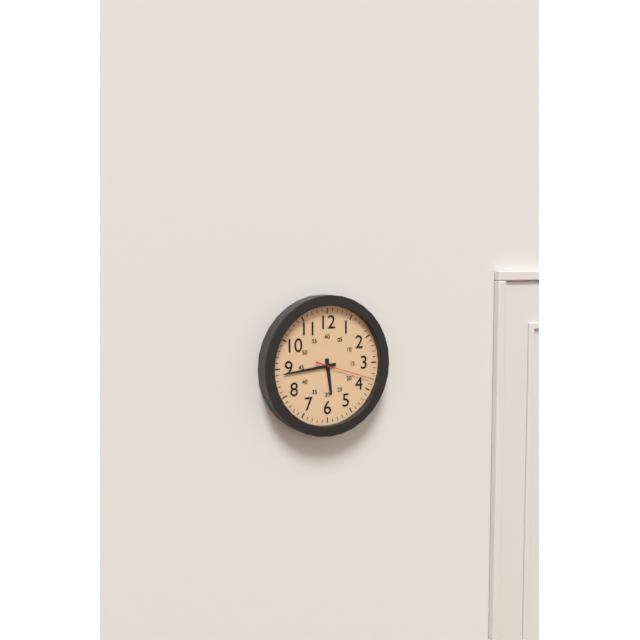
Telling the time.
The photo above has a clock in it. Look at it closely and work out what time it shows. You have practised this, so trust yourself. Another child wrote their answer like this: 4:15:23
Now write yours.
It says 5:44:18
